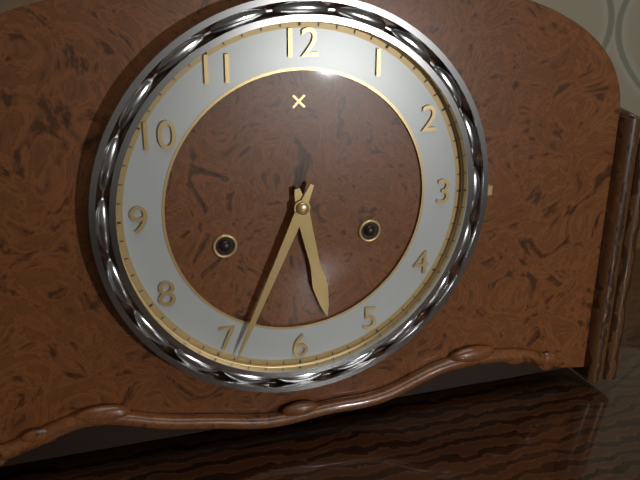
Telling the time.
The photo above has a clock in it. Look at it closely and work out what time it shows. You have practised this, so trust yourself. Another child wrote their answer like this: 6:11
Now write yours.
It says 5:34
